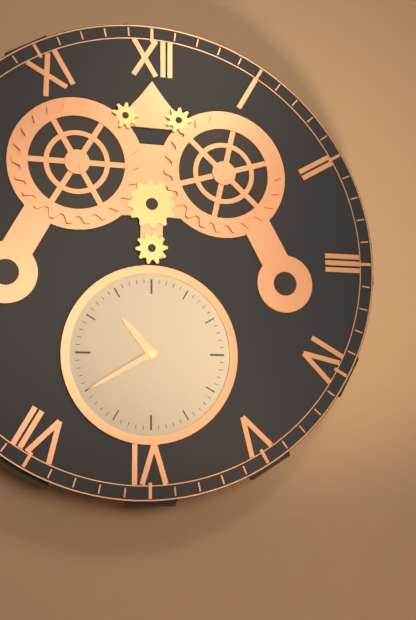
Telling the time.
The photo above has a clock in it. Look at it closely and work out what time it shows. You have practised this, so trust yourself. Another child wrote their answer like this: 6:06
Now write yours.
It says 10:40
